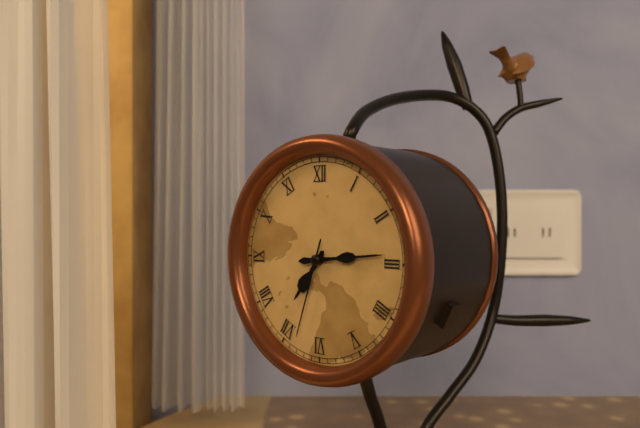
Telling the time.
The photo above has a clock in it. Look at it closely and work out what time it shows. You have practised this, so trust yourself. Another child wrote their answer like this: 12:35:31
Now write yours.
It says 7:14:33
